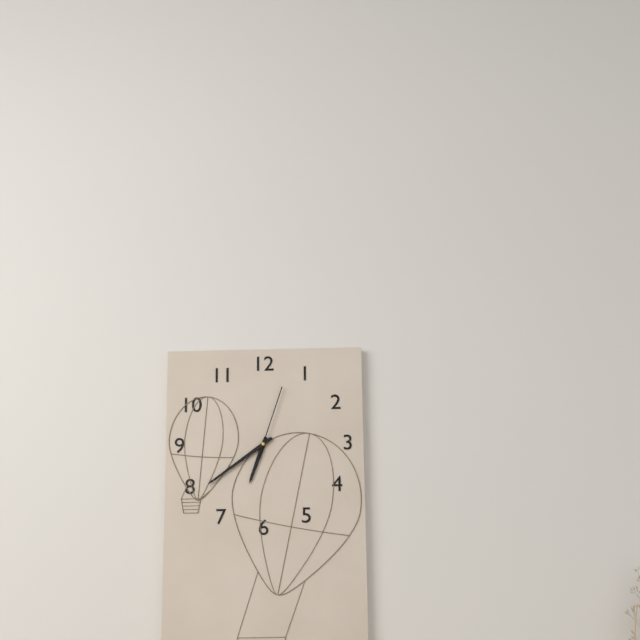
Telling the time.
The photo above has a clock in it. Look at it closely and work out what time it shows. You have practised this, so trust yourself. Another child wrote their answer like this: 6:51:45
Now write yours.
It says 6:39:03
